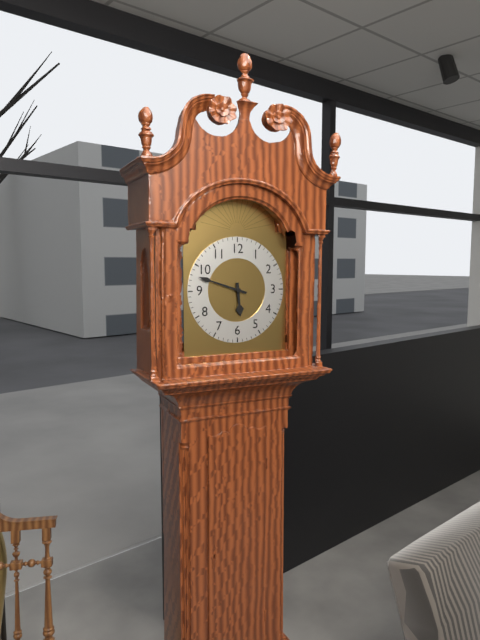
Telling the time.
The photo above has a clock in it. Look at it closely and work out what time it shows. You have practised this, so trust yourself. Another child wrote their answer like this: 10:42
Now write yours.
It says 5:48
